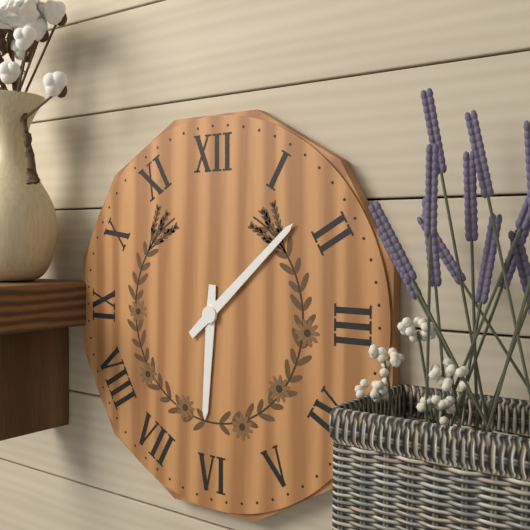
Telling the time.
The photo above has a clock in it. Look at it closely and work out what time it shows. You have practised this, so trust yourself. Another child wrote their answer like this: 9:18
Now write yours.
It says 6:08
